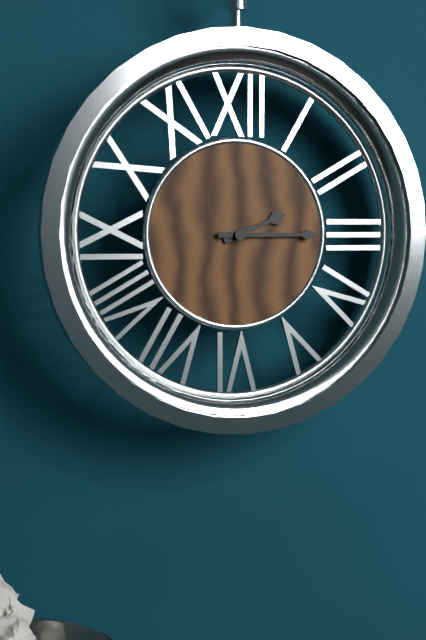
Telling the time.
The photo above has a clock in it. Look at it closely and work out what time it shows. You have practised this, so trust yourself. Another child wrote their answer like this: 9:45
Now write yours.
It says 2:15
